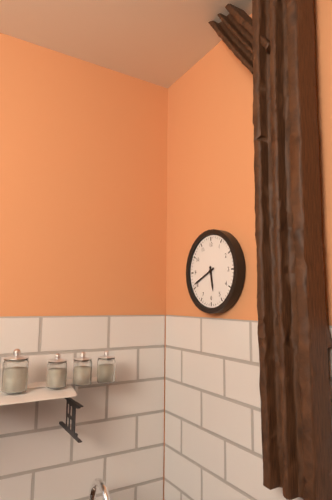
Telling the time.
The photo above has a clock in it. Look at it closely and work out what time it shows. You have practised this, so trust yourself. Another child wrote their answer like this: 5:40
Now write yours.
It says 5:41
